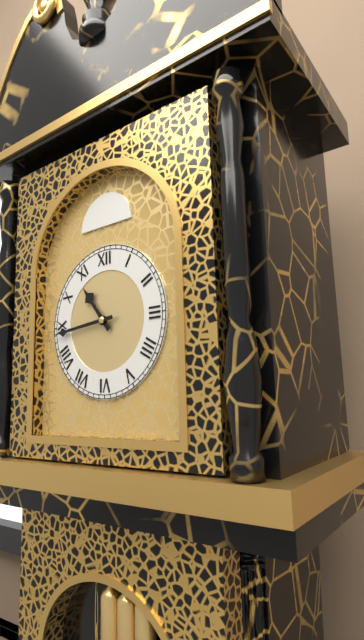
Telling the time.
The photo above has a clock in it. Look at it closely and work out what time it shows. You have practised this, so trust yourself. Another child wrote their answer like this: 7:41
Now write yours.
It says 10:44
